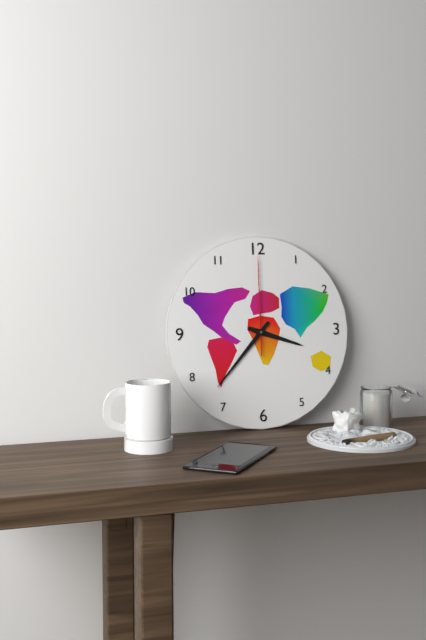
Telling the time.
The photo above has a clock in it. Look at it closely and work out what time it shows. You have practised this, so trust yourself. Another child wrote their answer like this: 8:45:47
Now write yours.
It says 3:37:00
